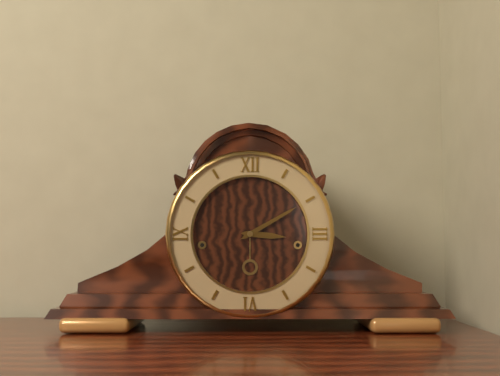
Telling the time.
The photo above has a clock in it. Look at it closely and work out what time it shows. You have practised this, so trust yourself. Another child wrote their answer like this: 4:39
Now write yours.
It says 3:10
